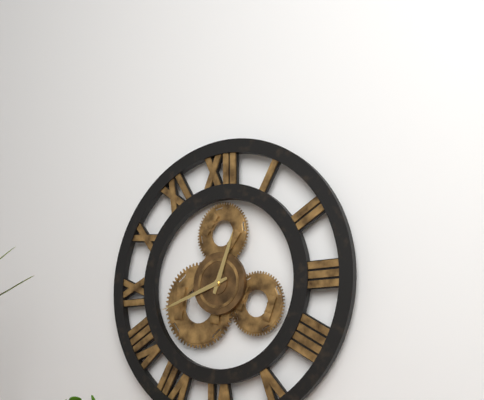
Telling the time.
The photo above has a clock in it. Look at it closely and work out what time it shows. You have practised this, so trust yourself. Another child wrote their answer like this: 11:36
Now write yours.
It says 12:42
